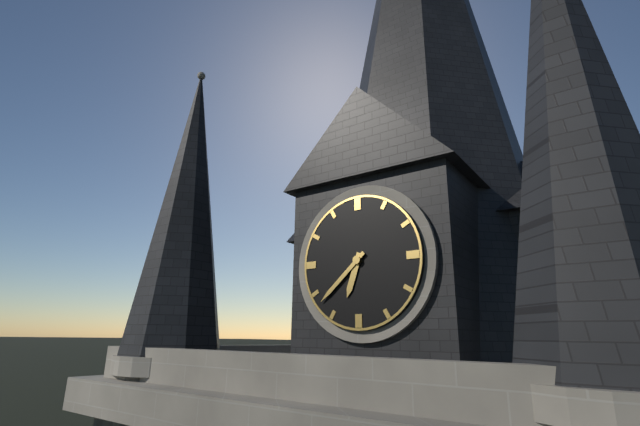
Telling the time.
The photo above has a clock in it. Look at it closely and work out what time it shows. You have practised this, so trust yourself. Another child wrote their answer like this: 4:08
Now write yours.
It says 6:38
